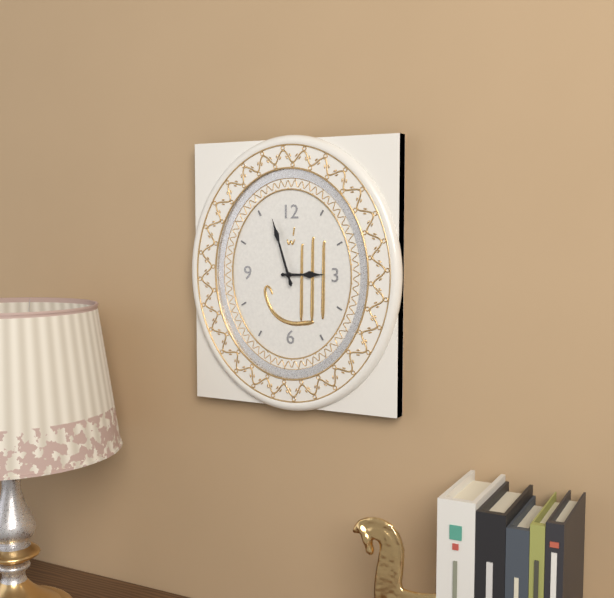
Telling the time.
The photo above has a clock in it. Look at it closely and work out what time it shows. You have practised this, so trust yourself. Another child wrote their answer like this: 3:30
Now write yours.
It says 2:57
